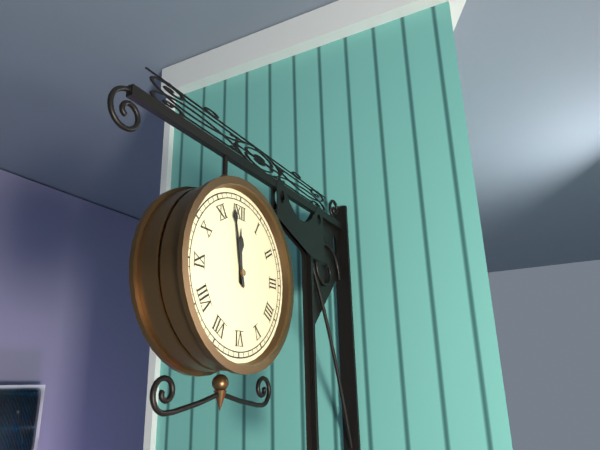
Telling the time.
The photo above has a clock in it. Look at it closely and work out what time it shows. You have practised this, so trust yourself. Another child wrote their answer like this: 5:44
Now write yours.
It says 11:58
